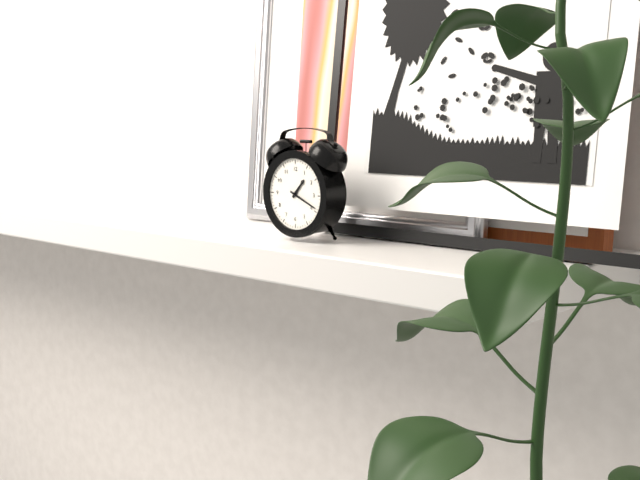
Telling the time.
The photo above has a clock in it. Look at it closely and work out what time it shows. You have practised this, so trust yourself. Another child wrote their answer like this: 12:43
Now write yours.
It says 1:19
